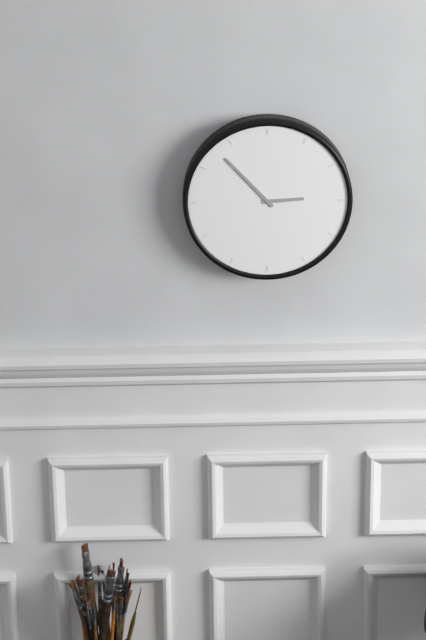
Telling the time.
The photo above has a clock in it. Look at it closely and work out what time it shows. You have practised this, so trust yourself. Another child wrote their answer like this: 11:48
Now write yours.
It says 2:53
